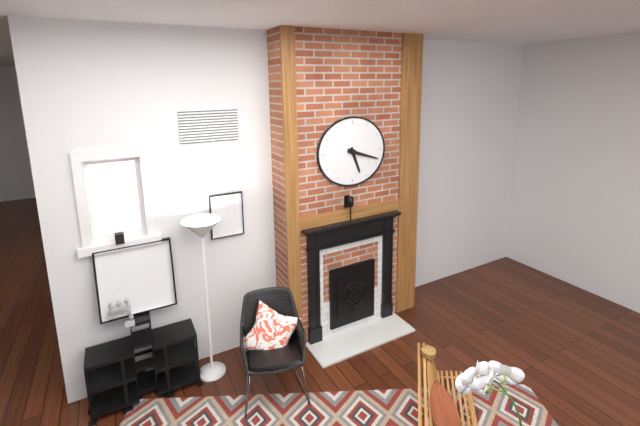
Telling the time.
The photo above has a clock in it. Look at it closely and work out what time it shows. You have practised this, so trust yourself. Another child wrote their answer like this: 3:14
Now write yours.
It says 5:18
